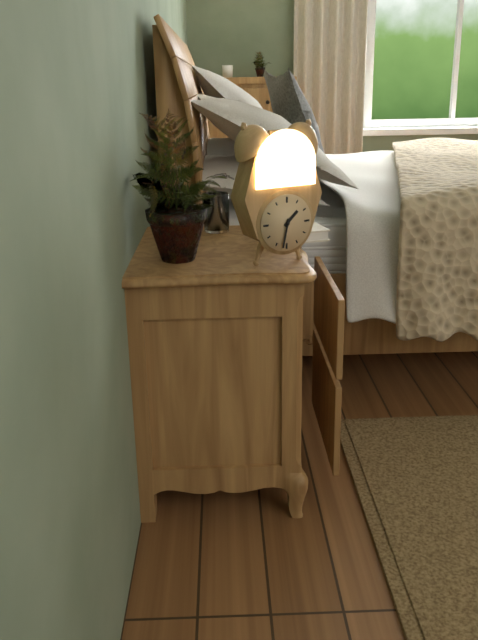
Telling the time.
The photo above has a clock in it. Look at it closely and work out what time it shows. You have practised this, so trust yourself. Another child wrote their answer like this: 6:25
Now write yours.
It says 1:32
